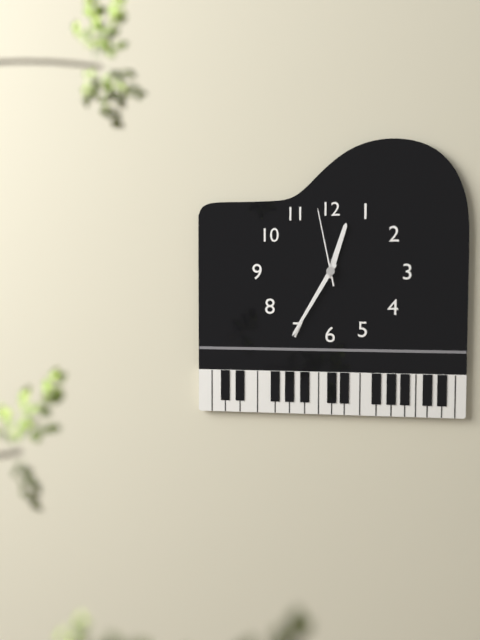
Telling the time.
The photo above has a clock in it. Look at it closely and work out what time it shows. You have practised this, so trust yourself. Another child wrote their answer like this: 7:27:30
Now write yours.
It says 12:35:58
